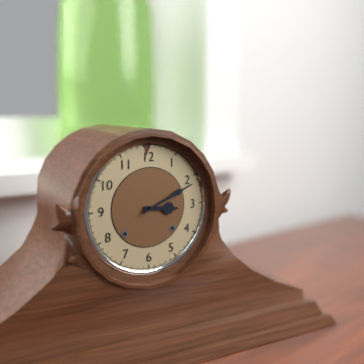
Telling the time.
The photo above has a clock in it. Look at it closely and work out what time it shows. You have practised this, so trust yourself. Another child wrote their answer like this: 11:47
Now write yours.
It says 3:11
